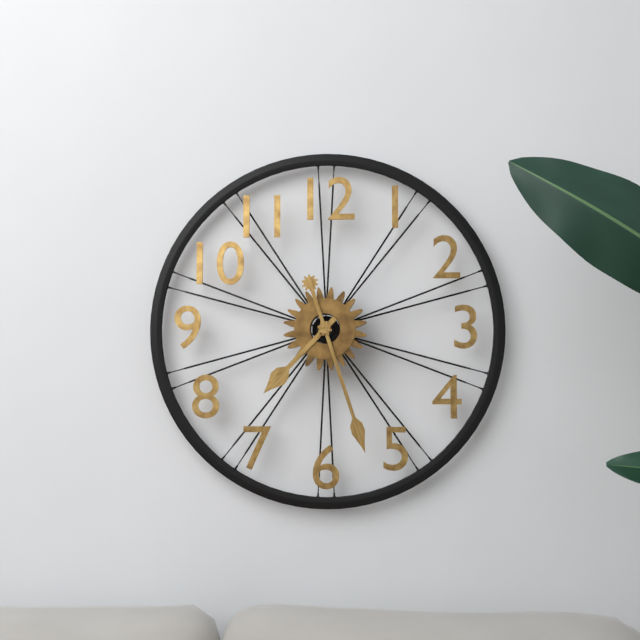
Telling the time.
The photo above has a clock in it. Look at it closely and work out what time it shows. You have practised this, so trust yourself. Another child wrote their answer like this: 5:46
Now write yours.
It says 7:27
